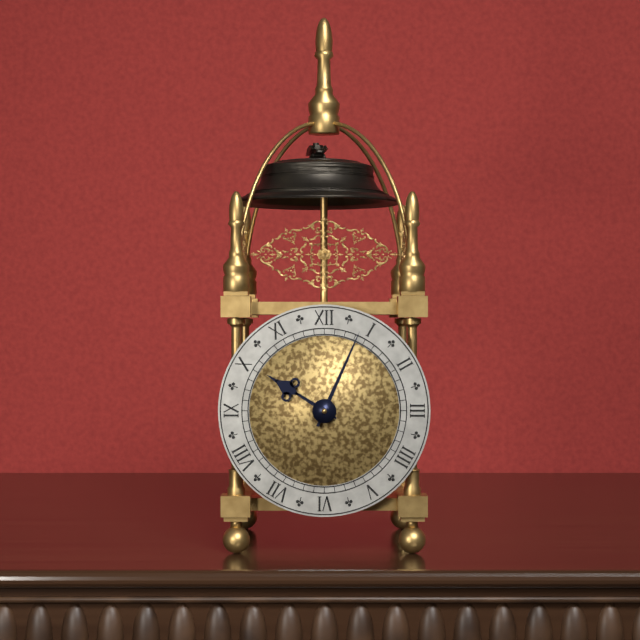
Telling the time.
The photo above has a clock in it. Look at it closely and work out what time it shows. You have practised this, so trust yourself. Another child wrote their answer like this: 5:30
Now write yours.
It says 10:04
